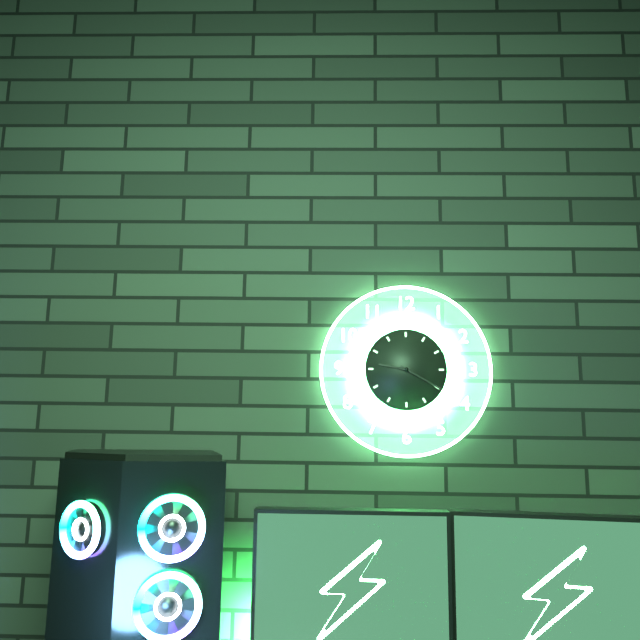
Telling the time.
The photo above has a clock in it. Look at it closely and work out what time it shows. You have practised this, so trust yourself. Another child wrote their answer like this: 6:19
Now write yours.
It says 9:20
